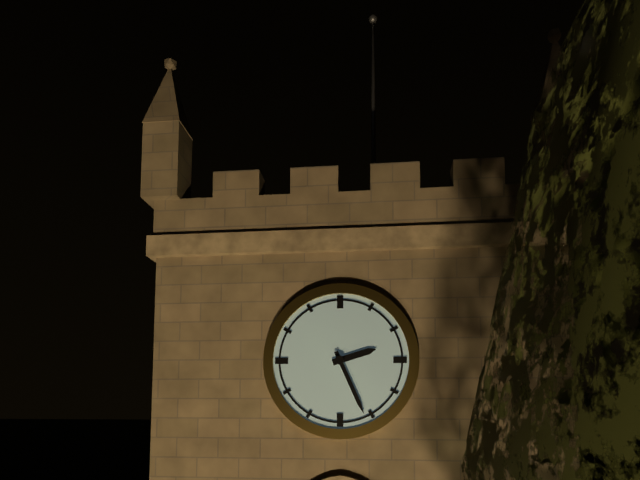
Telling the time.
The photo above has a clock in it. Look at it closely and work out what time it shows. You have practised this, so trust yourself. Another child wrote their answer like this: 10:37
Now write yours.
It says 2:26
